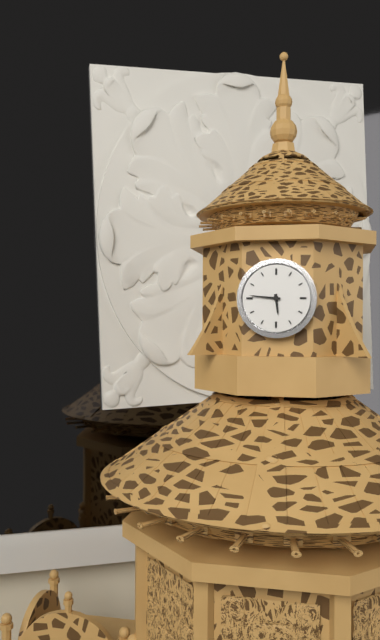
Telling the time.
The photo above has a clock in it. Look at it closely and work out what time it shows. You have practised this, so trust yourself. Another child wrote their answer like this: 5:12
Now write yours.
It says 5:46
